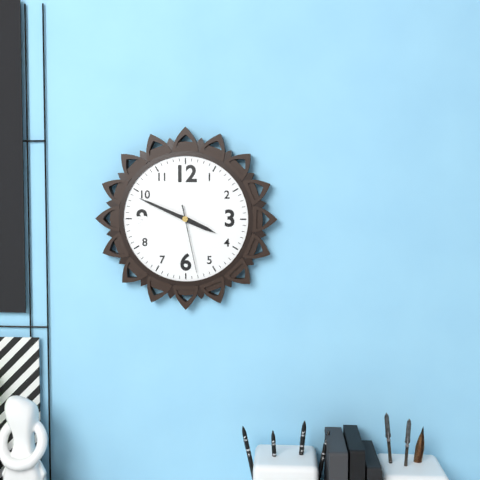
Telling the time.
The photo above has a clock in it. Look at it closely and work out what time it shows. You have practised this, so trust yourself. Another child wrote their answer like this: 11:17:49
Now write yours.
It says 3:49:28
